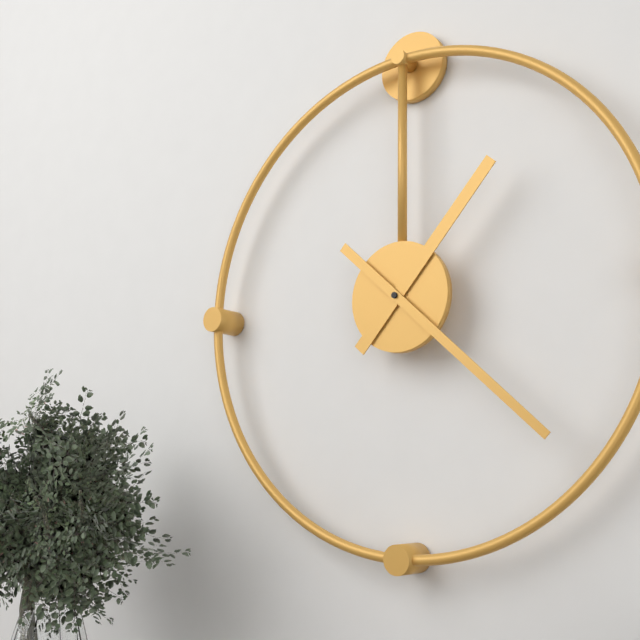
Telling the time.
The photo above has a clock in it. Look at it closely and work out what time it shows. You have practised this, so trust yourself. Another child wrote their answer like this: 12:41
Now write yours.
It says 1:22
